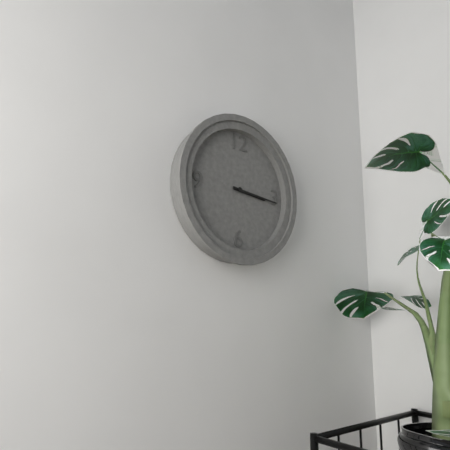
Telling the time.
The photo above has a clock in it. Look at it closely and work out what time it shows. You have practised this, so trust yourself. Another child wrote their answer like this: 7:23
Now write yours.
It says 3:16
